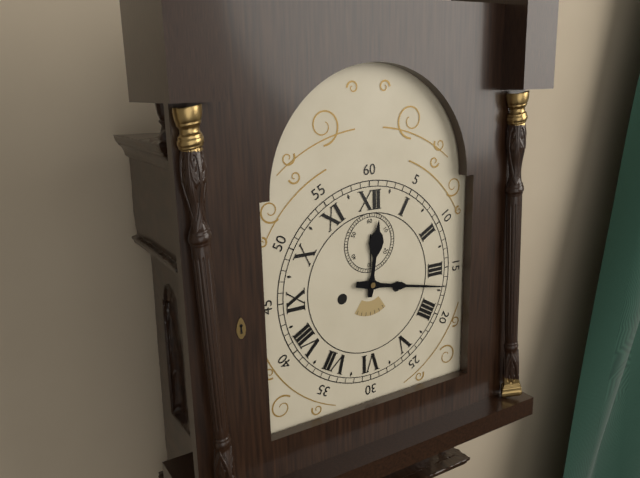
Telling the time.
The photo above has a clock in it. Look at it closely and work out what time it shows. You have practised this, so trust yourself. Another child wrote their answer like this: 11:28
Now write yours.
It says 12:17
